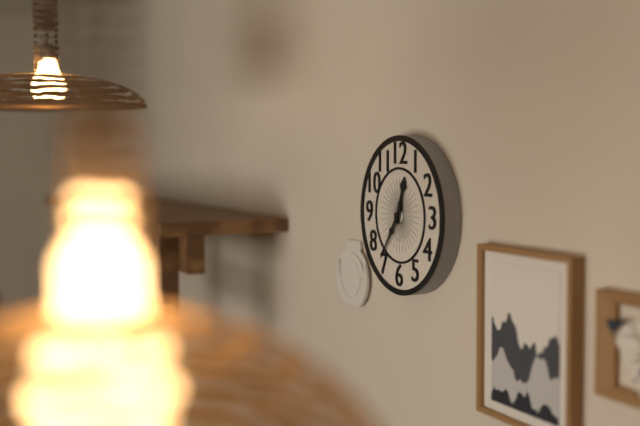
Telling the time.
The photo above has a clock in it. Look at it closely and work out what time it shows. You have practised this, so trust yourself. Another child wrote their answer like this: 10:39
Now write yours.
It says 12:36
